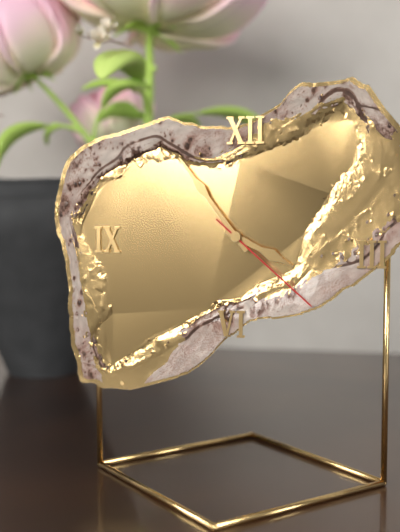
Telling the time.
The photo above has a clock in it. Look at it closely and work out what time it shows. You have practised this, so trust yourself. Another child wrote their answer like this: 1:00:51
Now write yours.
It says 3:54:22
